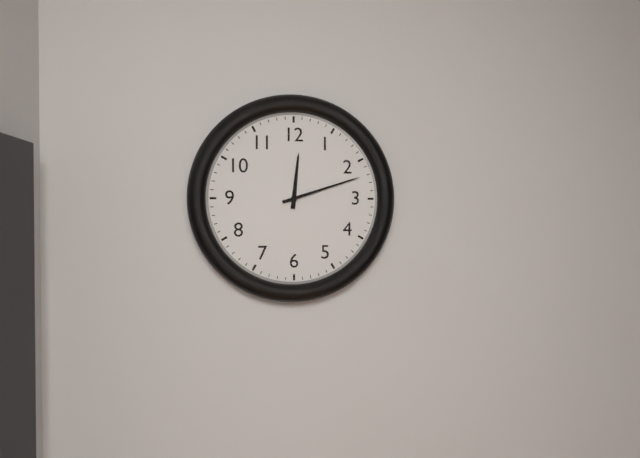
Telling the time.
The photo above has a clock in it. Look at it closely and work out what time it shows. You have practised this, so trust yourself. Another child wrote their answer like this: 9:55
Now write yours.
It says 12:12
